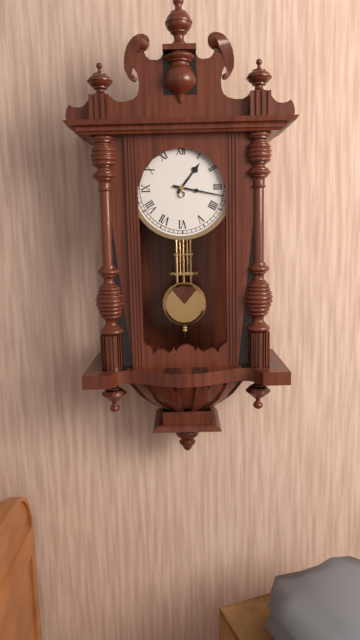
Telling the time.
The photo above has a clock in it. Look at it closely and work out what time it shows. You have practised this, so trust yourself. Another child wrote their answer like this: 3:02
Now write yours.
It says 1:17
